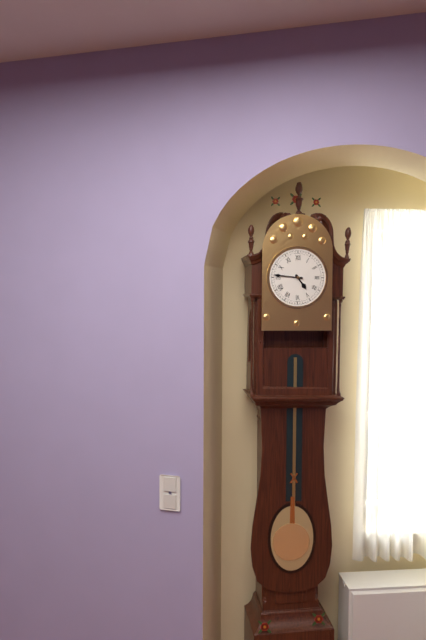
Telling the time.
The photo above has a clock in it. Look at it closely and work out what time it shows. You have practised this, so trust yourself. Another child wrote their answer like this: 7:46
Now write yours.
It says 4:46
